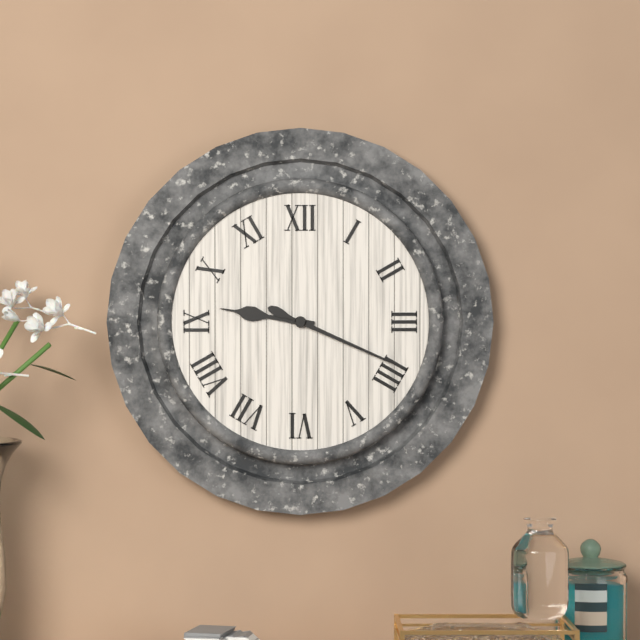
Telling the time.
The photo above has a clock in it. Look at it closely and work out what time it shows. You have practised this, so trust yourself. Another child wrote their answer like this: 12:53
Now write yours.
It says 9:19
